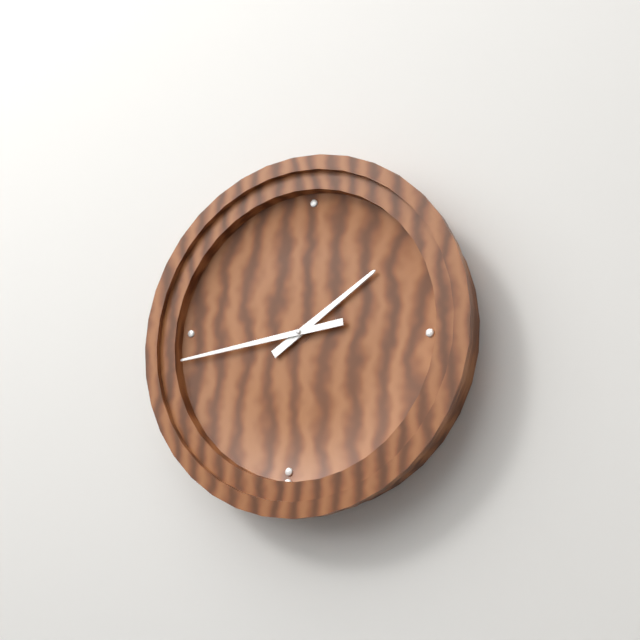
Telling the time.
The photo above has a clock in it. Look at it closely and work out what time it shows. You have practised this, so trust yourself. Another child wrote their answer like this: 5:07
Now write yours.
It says 1:43
